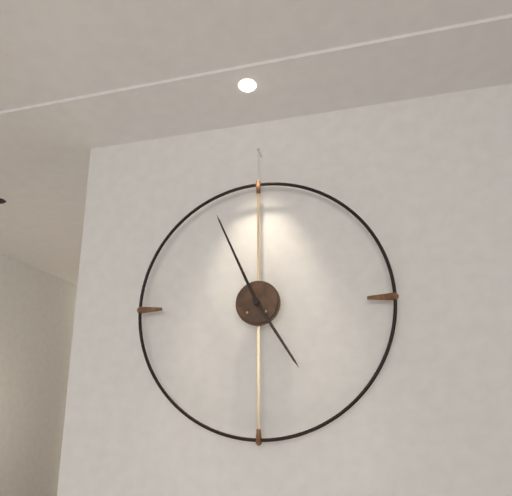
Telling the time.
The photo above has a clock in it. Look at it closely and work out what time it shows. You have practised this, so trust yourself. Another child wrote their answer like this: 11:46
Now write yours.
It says 4:56
